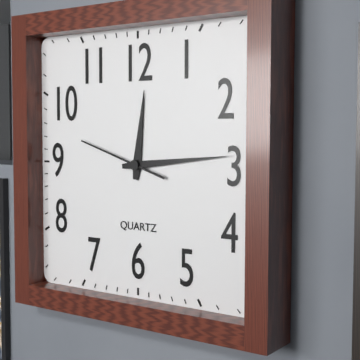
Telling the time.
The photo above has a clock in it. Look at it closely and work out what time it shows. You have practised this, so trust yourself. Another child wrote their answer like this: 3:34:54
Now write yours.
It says 12:14:48
